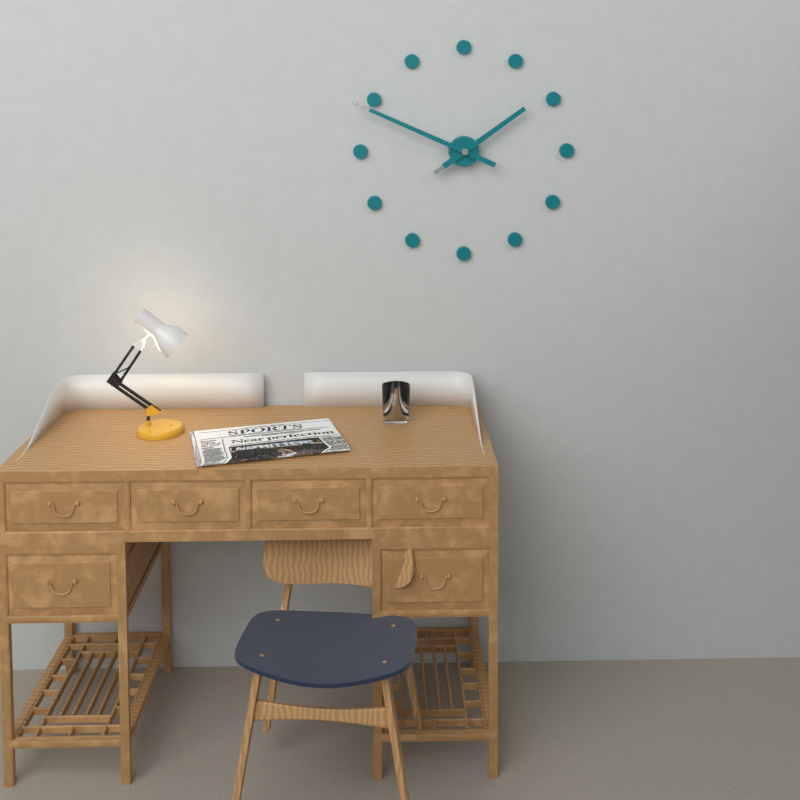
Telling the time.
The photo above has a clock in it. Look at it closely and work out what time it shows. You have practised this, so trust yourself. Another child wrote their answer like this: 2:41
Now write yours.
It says 1:49
